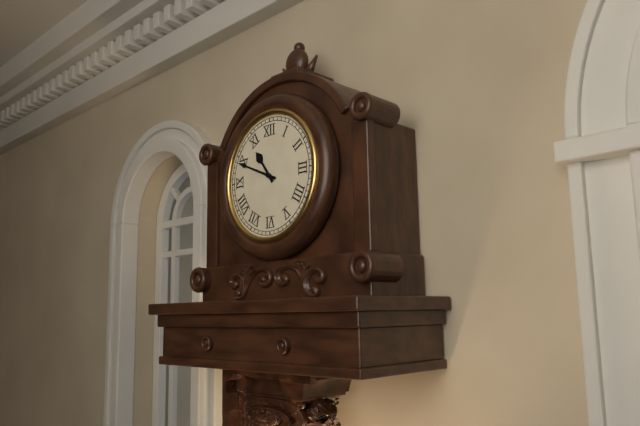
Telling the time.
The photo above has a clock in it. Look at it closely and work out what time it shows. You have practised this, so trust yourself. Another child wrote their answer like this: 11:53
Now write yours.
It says 10:49
